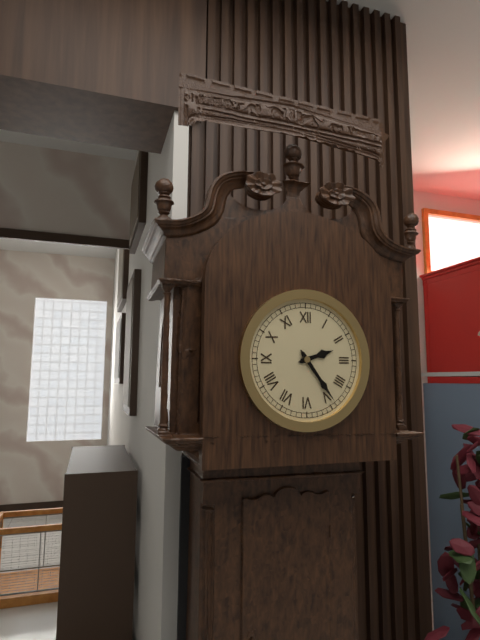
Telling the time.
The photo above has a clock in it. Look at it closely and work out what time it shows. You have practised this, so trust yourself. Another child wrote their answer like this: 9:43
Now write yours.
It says 2:24
